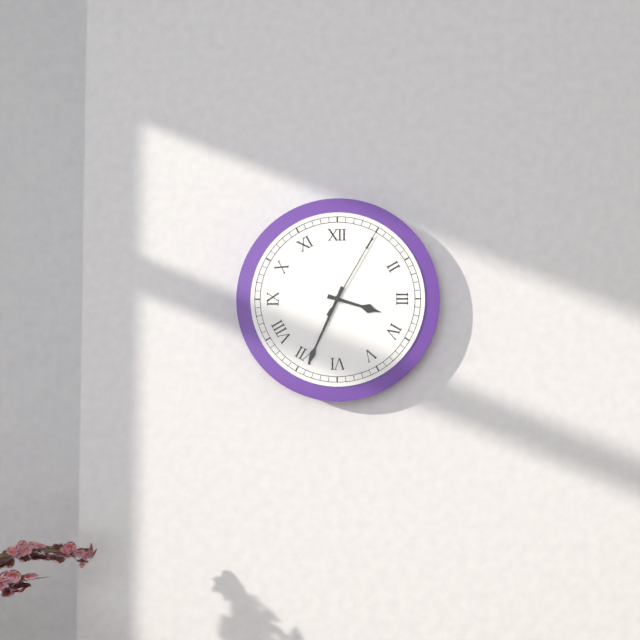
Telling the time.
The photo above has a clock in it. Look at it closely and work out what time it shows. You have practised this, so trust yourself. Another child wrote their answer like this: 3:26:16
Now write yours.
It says 3:34:05
